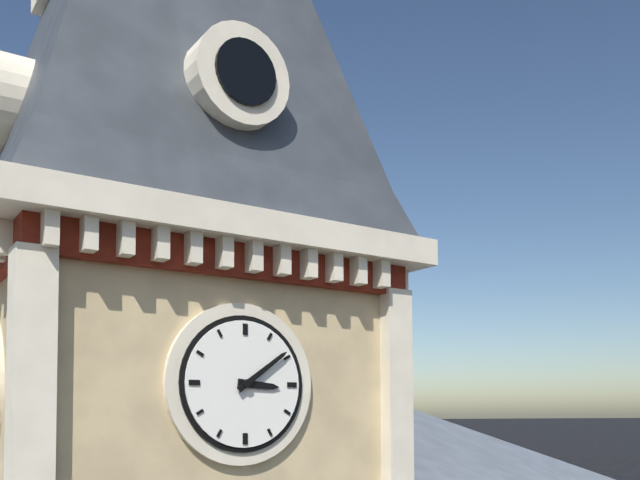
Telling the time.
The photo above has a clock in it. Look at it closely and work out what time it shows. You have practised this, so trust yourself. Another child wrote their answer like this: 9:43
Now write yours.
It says 3:09
